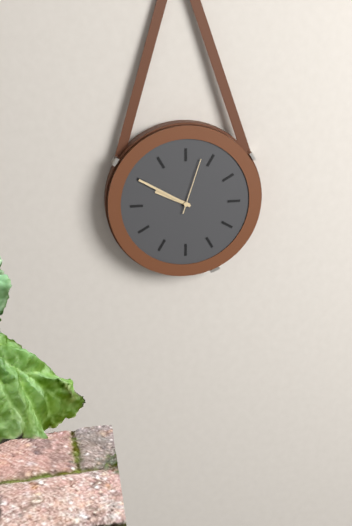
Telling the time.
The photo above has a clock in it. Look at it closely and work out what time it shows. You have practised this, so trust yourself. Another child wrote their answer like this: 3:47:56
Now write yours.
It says 9:50:03
